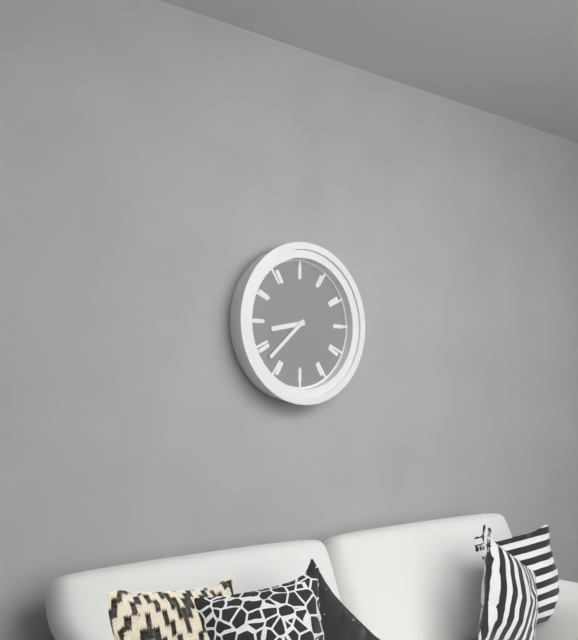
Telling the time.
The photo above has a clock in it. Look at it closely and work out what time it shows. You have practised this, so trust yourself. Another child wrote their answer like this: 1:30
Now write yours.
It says 8:38
